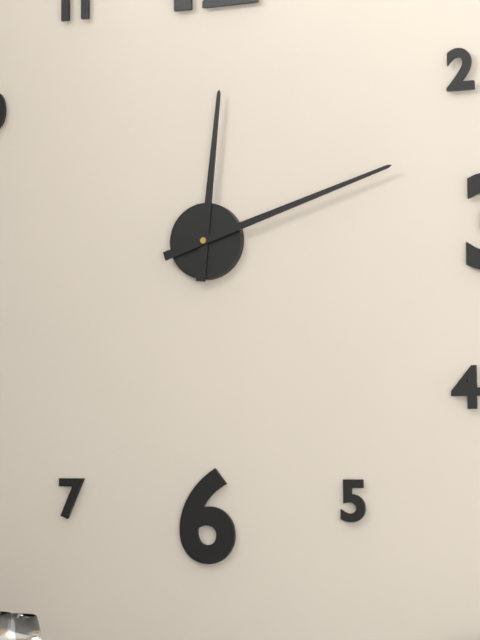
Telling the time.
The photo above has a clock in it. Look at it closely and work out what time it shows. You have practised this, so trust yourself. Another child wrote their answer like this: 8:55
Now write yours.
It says 12:12
